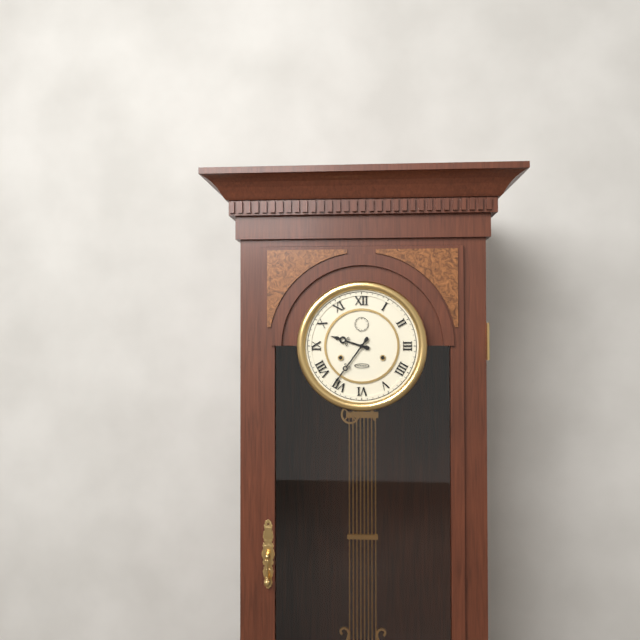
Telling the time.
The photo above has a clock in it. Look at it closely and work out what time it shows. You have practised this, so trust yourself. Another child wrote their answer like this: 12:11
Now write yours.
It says 9:36
